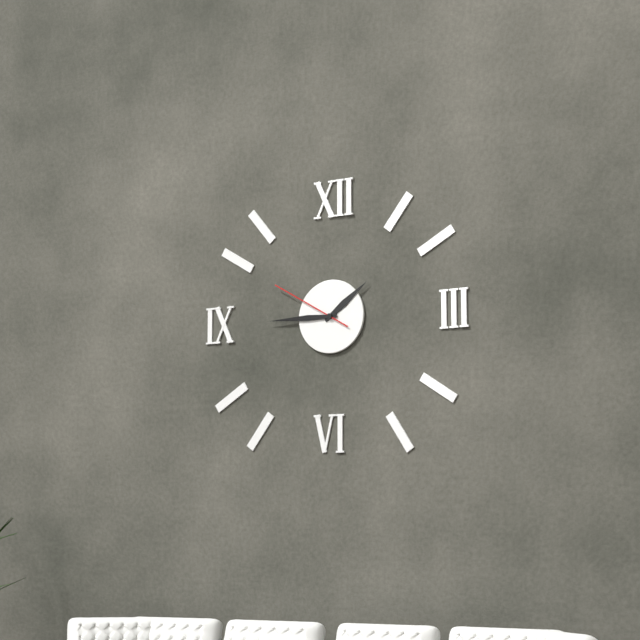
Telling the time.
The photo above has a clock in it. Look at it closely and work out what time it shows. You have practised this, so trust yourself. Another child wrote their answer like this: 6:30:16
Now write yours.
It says 1:45:50
